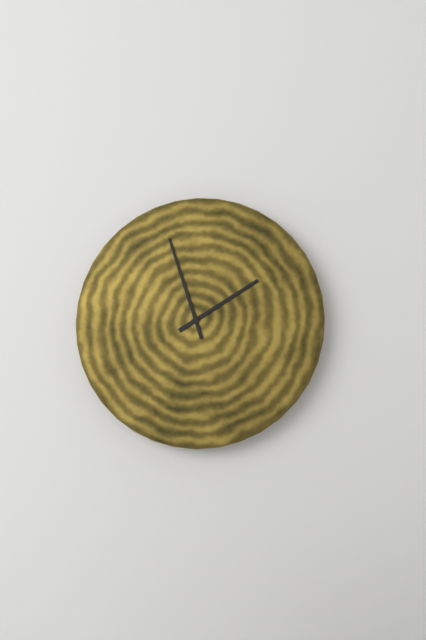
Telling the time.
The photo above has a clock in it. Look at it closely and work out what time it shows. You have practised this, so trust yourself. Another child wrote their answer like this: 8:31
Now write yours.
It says 1:57
